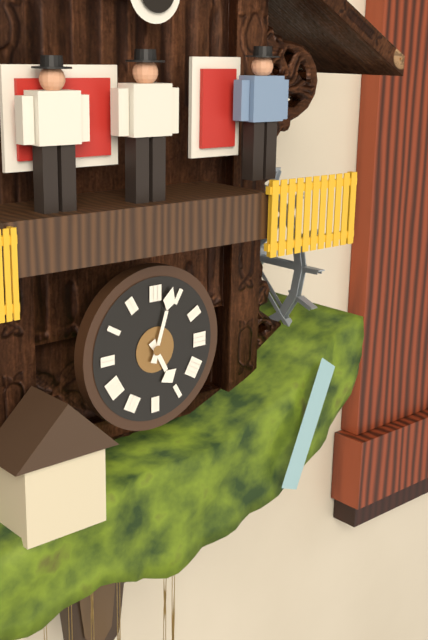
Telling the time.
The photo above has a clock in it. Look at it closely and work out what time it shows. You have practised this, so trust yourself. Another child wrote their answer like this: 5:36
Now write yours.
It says 5:03
